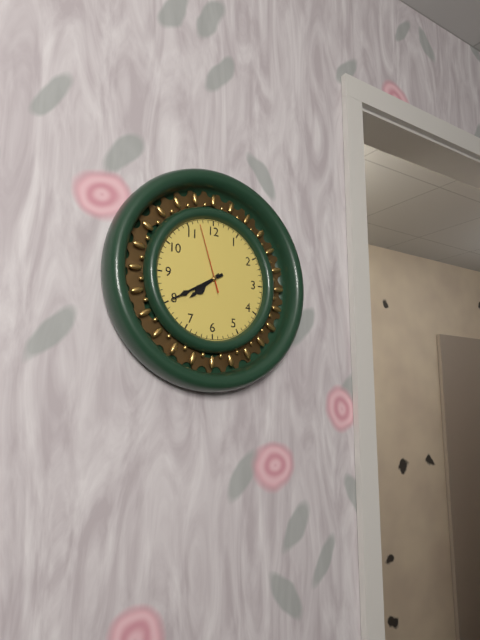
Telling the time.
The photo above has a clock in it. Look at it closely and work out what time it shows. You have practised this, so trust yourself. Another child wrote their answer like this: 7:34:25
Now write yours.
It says 7:40:57
